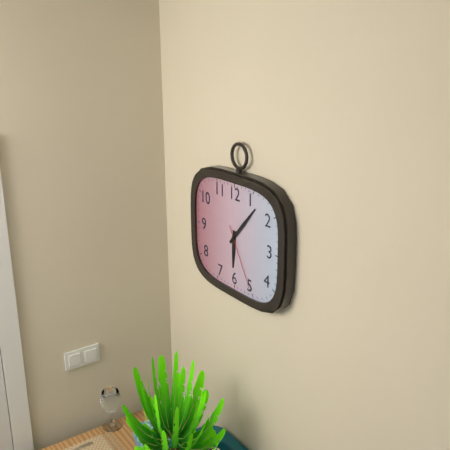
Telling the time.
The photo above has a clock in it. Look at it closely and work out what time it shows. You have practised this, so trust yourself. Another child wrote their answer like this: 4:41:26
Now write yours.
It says 6:07:25
